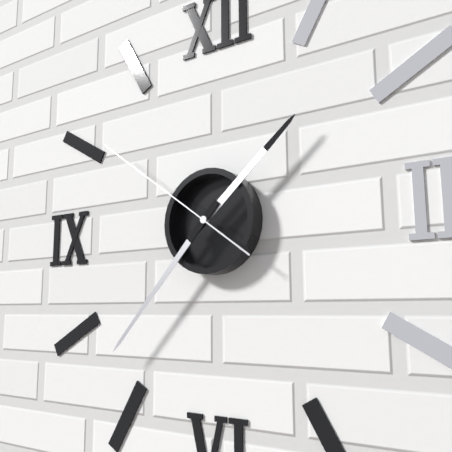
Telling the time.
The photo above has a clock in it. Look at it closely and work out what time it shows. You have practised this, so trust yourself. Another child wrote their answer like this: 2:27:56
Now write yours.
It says 1:37:51
